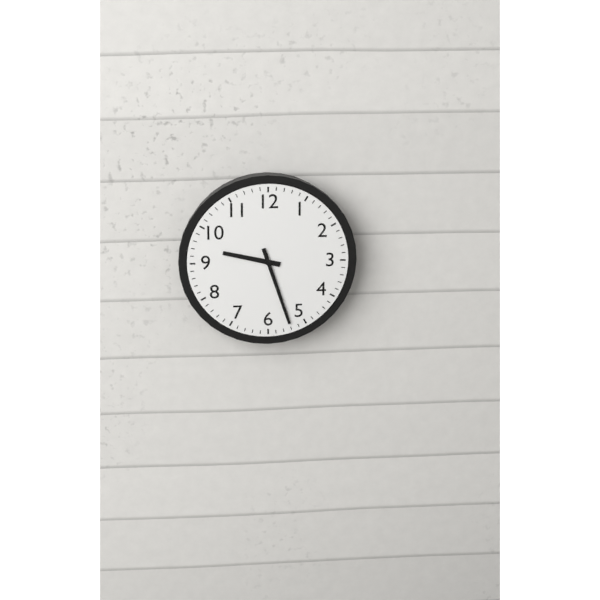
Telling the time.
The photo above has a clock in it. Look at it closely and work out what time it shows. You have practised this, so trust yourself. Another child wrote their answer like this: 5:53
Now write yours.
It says 9:27
